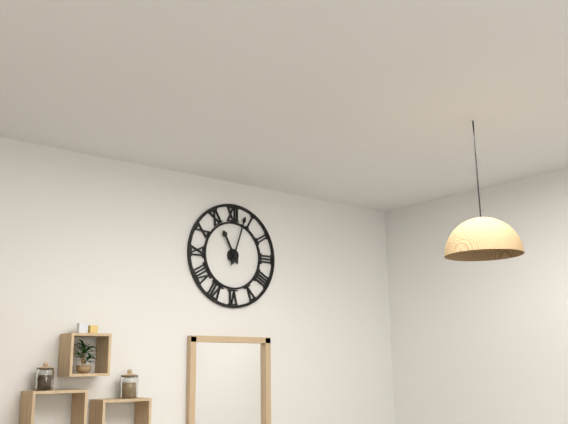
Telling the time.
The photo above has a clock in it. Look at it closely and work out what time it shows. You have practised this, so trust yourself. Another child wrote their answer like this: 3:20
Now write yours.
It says 11:03
